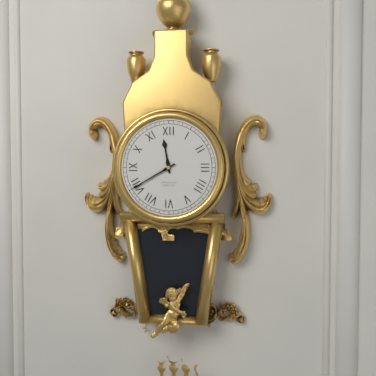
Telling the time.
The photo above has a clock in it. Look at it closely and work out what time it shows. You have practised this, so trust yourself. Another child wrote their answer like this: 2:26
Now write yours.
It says 11:40
